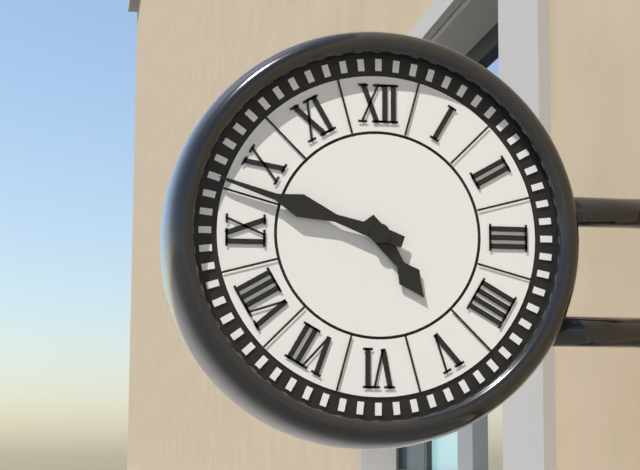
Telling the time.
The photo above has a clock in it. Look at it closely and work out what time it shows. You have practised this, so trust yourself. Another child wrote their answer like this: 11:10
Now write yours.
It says 4:48
